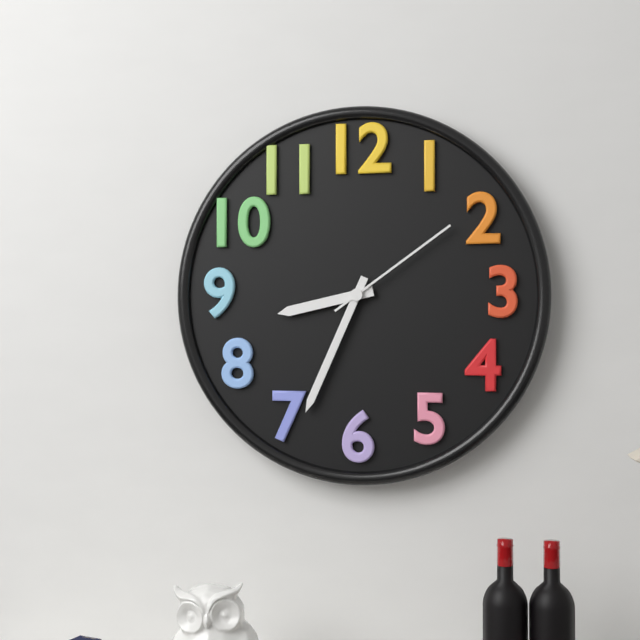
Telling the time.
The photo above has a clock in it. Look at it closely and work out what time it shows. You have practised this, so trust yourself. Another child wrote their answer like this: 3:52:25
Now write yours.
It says 8:34:09
